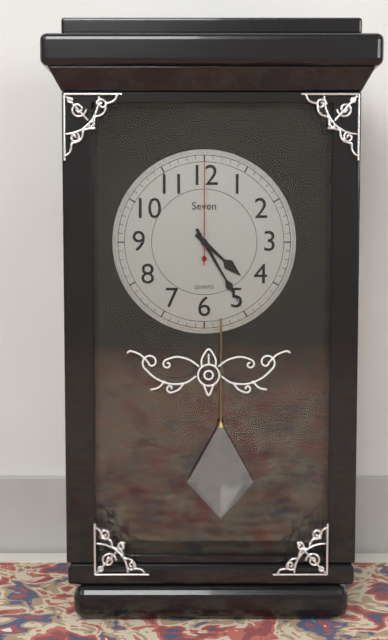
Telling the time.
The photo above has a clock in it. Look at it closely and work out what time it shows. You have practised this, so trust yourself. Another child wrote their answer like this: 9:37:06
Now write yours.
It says 4:25:00
